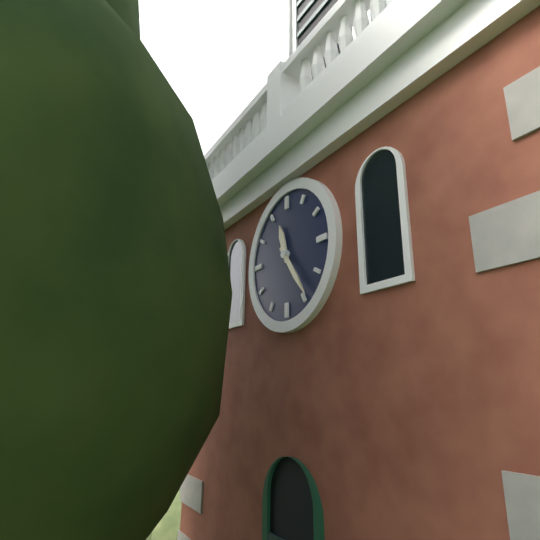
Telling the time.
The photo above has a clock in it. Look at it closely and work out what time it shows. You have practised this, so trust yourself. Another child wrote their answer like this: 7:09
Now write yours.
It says 11:24
